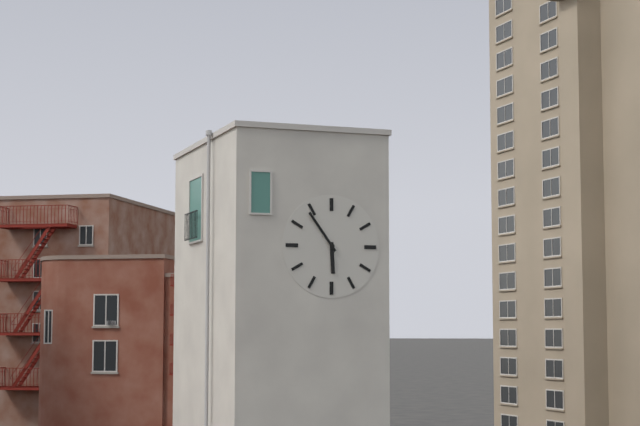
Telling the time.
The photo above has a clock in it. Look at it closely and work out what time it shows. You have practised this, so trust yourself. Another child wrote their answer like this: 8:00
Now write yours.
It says 5:54
